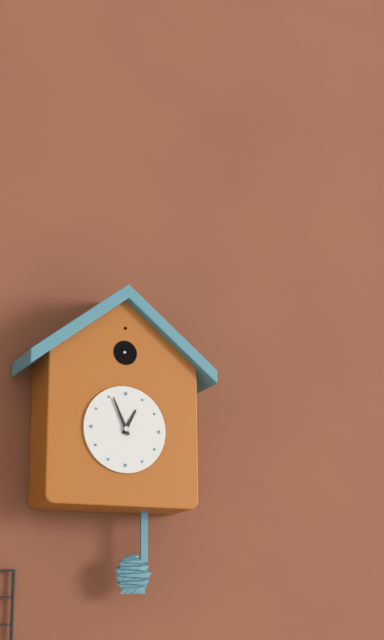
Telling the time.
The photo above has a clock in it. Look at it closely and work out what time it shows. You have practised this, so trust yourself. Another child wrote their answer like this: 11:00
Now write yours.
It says 12:56
